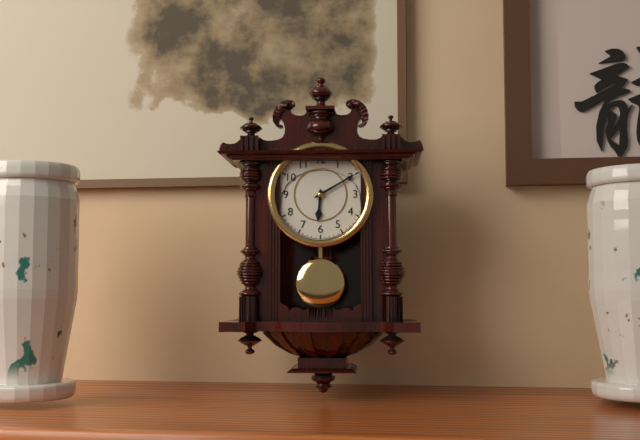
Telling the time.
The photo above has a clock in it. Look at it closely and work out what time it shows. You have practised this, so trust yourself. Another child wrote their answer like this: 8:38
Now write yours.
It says 6:10
